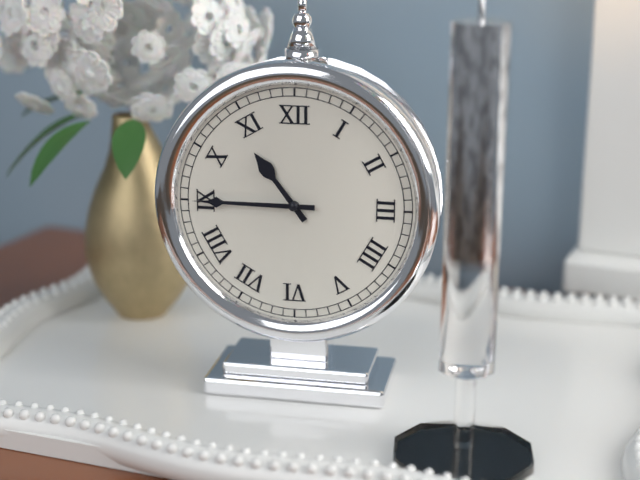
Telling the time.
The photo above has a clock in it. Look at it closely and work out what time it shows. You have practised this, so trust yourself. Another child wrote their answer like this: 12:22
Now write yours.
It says 10:45
